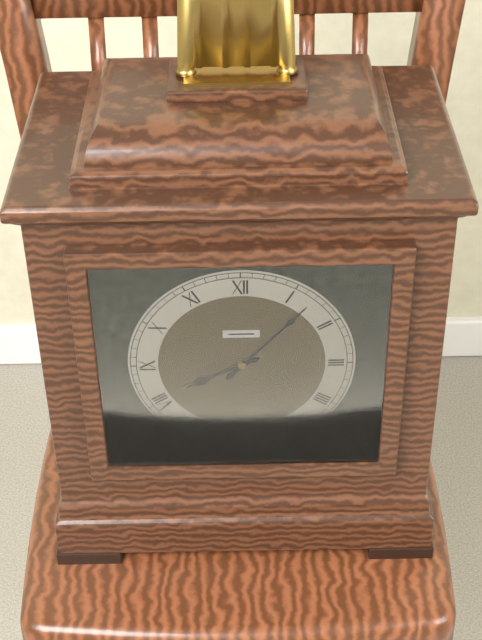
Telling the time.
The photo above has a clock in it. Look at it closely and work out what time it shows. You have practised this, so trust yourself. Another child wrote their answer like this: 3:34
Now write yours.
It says 8:07
